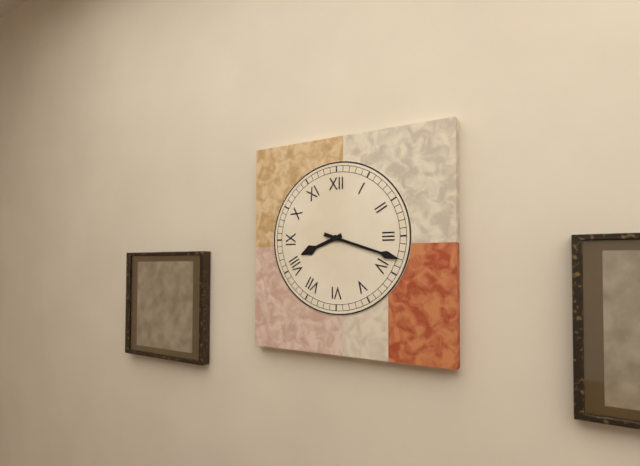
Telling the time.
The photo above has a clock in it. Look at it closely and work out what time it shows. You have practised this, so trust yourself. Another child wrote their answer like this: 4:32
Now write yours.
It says 8:18
